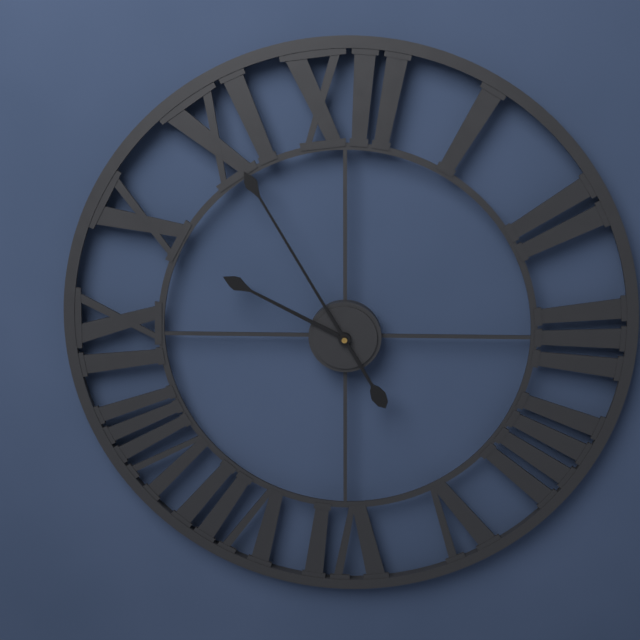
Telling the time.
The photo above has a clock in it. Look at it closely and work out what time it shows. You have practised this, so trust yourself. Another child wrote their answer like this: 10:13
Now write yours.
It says 9:55
